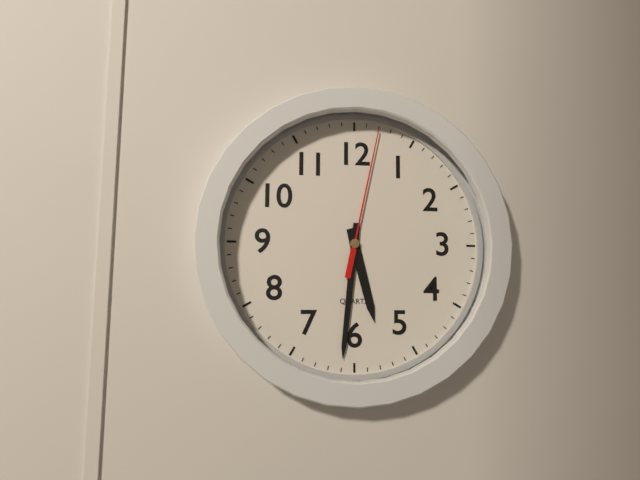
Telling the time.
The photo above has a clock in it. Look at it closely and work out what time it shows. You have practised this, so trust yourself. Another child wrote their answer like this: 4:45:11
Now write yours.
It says 5:31:02
